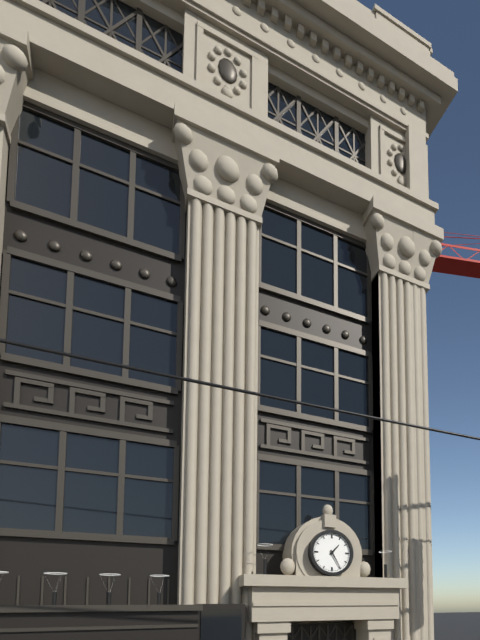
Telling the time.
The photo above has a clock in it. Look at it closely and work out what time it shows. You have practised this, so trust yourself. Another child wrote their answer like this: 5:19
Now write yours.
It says 1:25
